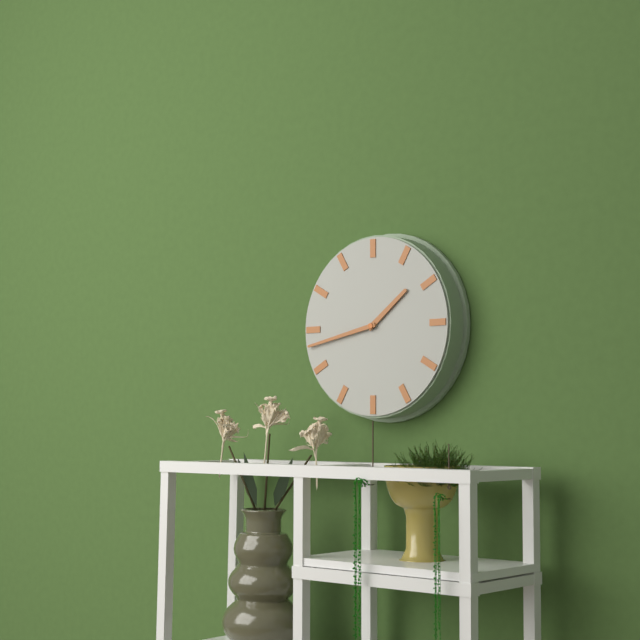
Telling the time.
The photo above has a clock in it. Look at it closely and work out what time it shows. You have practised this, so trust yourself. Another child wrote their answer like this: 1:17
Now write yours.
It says 1:43
